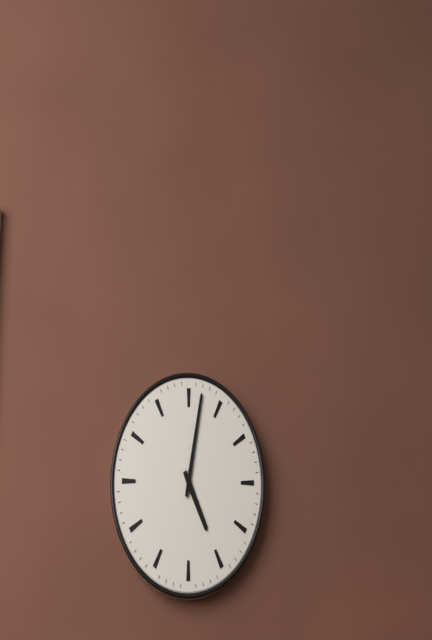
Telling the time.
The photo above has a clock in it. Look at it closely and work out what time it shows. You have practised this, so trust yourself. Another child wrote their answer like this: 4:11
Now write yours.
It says 5:02
